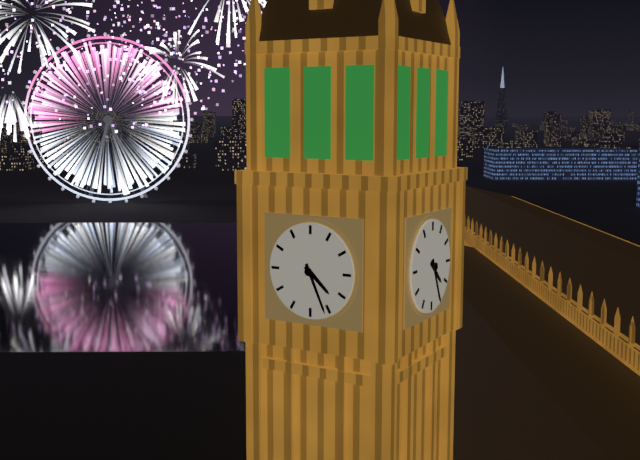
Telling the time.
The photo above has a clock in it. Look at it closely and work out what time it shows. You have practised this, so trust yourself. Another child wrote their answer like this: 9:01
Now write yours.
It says 4:26
